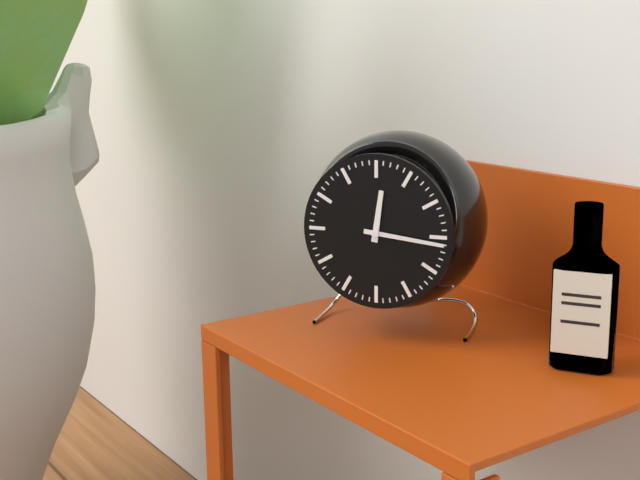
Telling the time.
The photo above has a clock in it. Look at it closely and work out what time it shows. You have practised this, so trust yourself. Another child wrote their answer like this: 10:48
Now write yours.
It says 12:16
